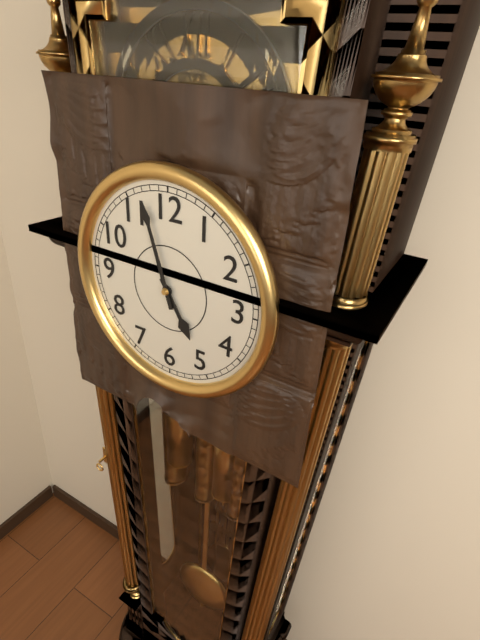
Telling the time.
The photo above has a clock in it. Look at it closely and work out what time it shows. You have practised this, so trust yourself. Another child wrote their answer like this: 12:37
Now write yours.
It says 4:57
